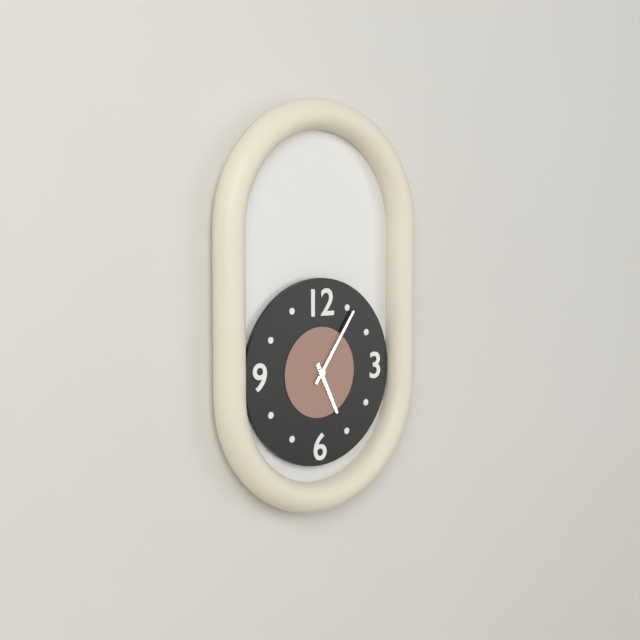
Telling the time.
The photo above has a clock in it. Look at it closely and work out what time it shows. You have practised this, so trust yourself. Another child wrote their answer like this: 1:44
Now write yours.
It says 5:06
